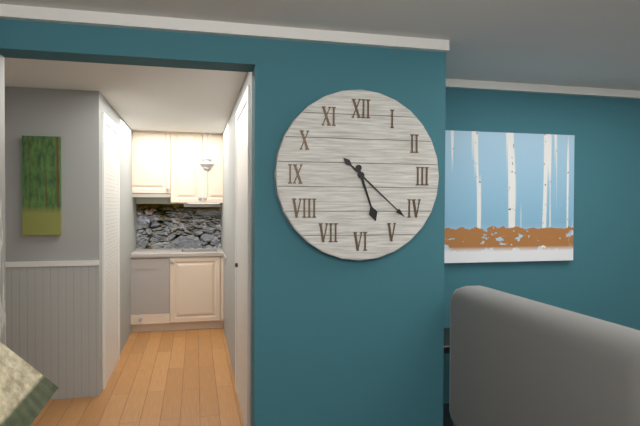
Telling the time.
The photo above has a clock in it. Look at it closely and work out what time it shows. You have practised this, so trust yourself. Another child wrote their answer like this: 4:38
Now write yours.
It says 5:22
